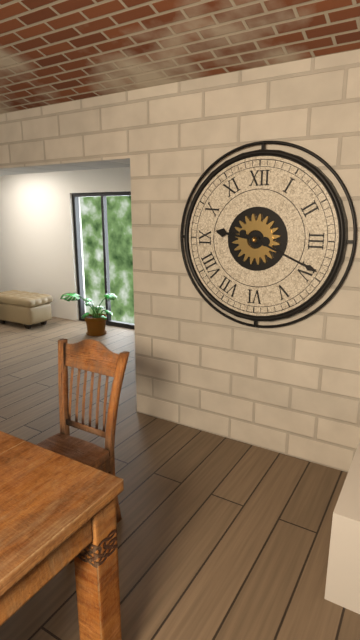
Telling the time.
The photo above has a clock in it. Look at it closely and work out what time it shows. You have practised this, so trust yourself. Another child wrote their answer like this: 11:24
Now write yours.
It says 9:19
